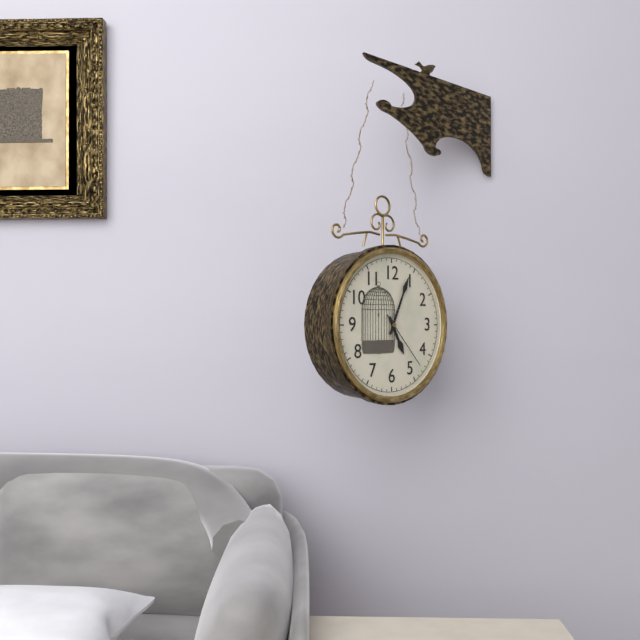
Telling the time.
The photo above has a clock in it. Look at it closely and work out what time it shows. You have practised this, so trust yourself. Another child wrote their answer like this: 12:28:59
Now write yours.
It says 5:04:23
